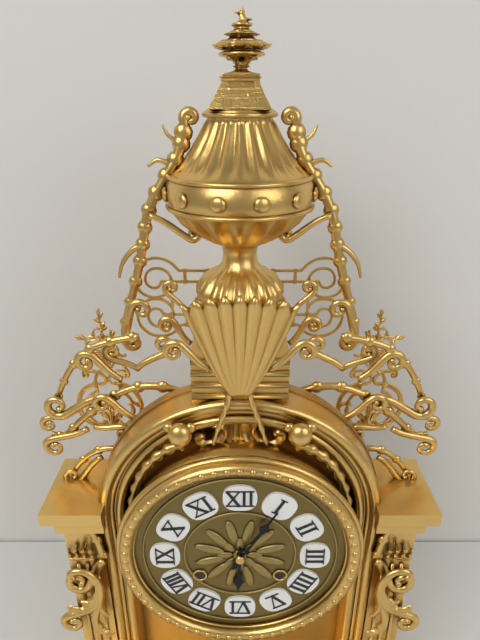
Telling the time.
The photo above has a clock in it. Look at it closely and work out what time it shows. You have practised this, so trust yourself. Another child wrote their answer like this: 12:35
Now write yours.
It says 6:05
